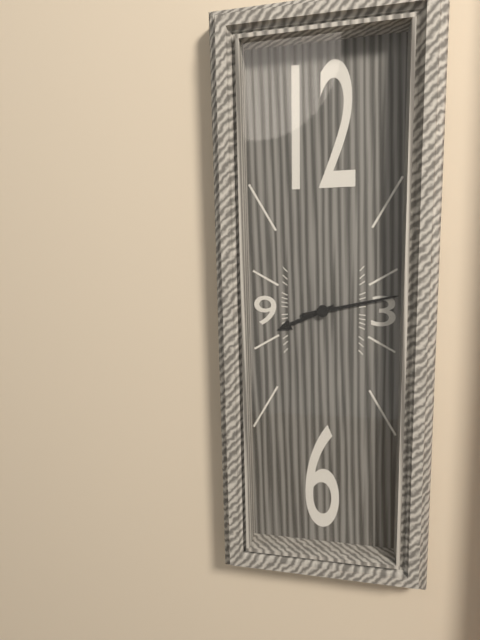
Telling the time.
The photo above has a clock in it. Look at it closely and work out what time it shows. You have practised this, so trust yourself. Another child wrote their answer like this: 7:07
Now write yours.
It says 8:13
